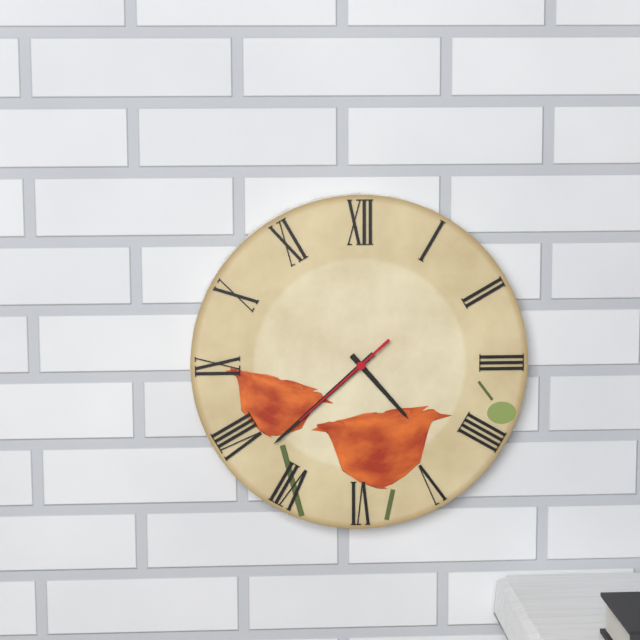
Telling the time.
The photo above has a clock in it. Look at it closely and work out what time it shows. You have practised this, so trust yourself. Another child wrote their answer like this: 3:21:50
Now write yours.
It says 4:38:38
